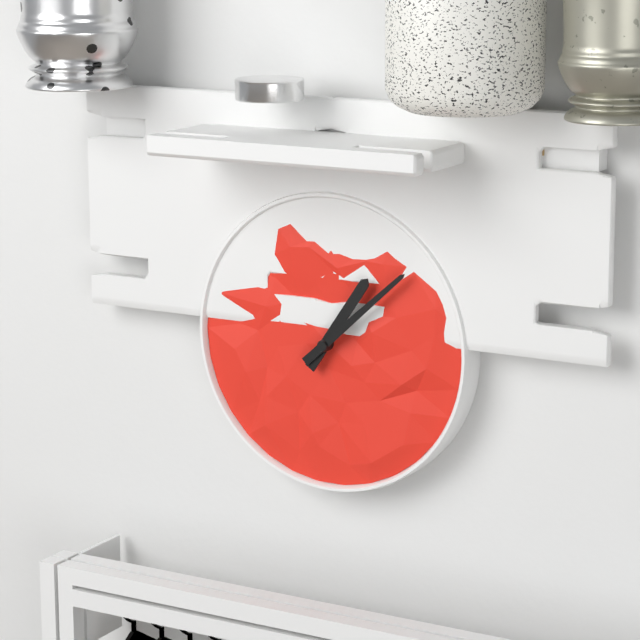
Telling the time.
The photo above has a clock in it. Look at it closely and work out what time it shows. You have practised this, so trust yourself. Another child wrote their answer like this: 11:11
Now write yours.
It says 1:08
